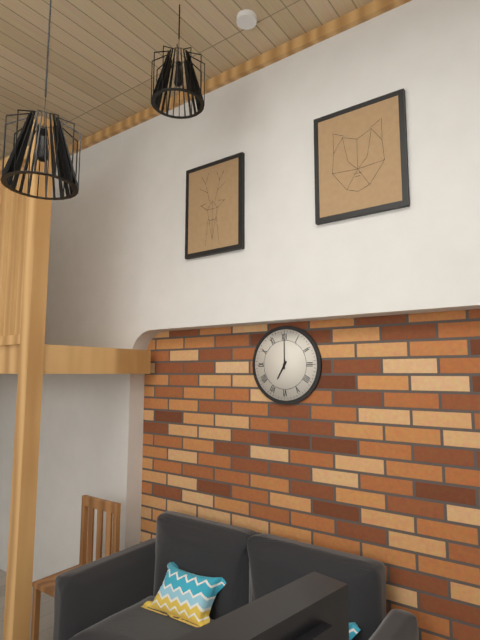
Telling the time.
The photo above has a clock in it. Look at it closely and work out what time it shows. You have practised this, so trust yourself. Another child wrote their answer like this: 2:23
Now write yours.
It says 7:00
